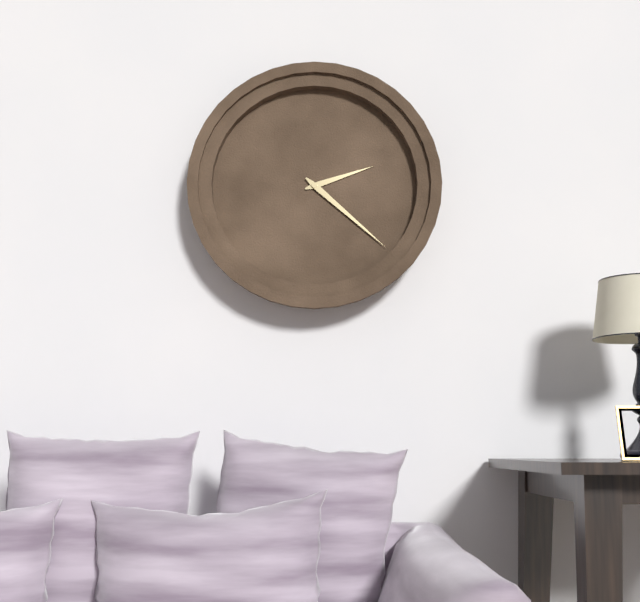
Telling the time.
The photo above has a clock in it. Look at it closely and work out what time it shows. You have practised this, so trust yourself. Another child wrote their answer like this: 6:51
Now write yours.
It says 2:22
